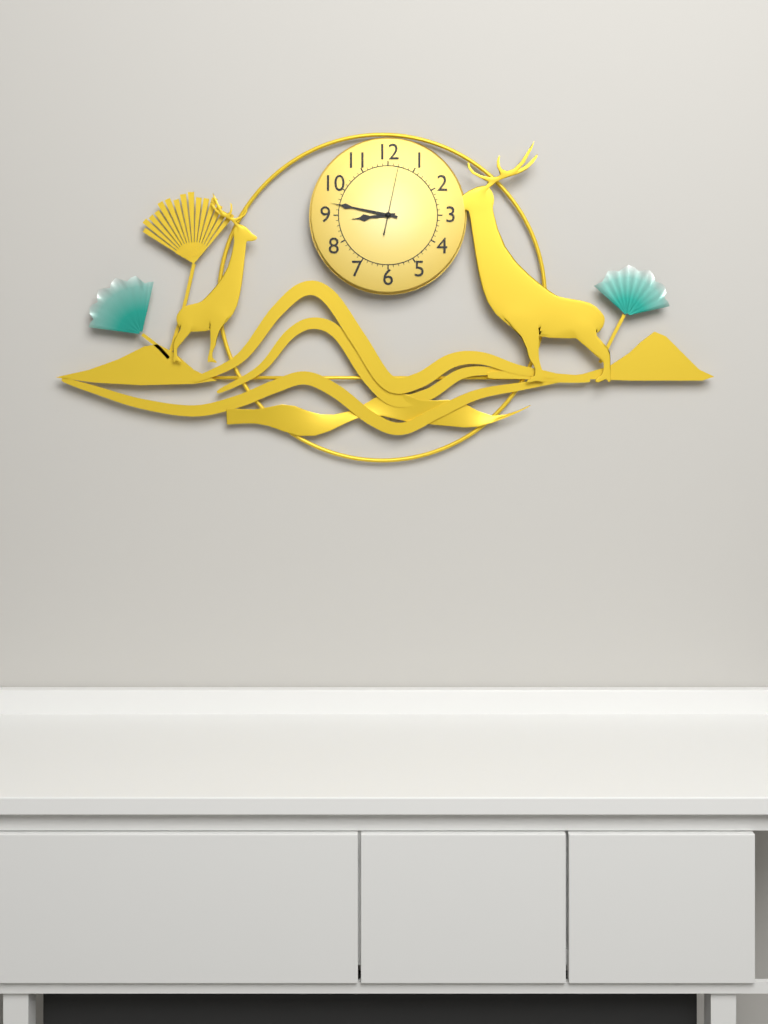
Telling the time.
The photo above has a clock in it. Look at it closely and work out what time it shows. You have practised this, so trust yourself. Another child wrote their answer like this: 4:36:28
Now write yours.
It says 8:47:02
